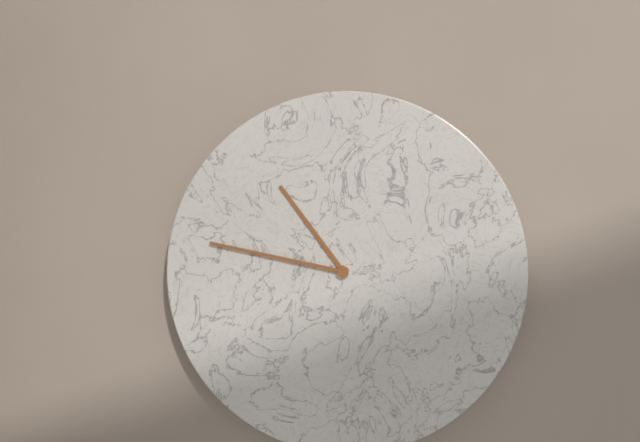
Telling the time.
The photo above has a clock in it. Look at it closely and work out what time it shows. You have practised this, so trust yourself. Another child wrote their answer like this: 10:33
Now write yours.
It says 10:47
